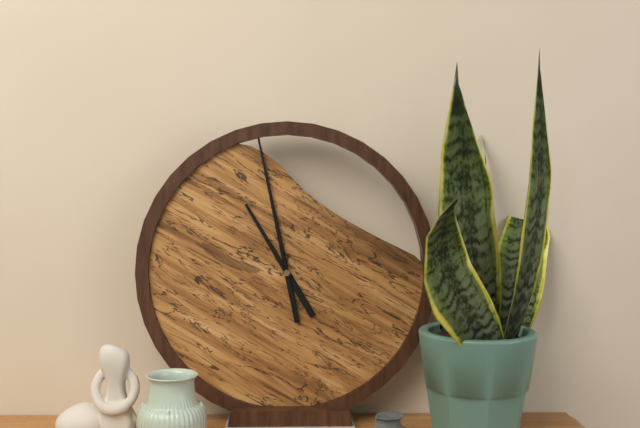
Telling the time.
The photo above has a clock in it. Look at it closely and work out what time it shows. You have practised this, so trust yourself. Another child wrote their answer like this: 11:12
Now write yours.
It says 10:58
